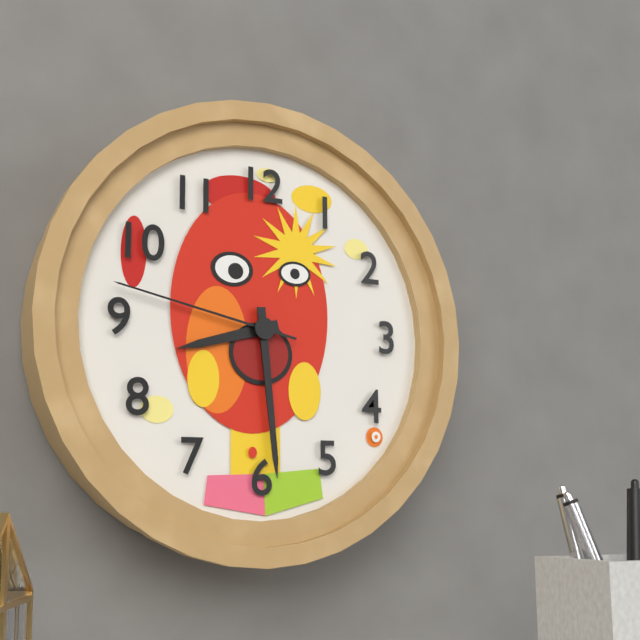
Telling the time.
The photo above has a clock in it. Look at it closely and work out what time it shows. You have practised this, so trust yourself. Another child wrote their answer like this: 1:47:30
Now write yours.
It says 8:29:47
